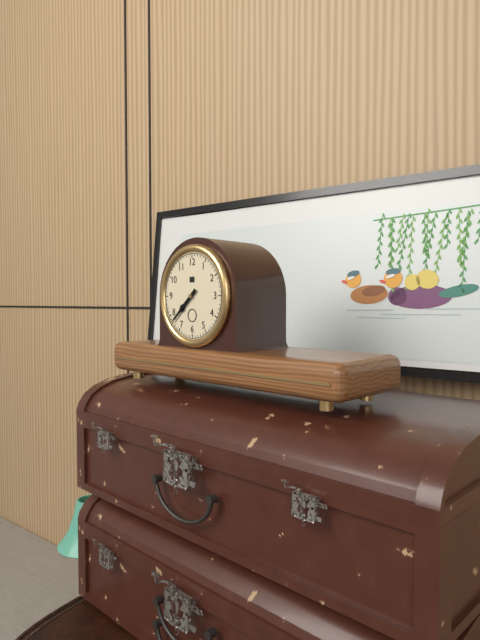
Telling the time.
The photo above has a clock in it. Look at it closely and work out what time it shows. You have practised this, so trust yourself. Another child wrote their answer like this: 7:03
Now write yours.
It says 7:38
